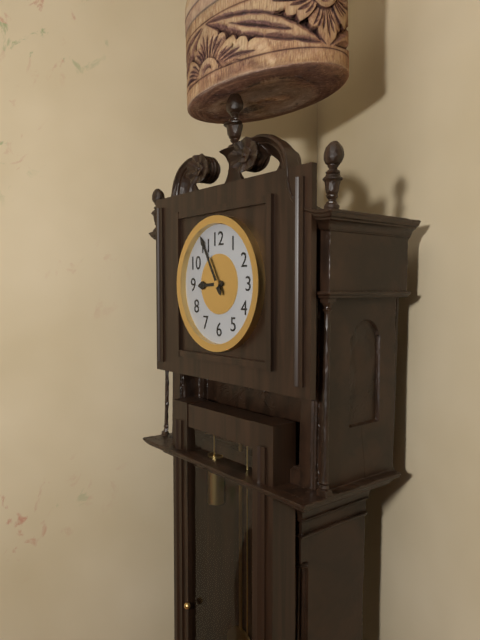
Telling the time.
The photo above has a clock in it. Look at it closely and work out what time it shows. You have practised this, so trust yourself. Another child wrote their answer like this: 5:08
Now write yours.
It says 8:55
